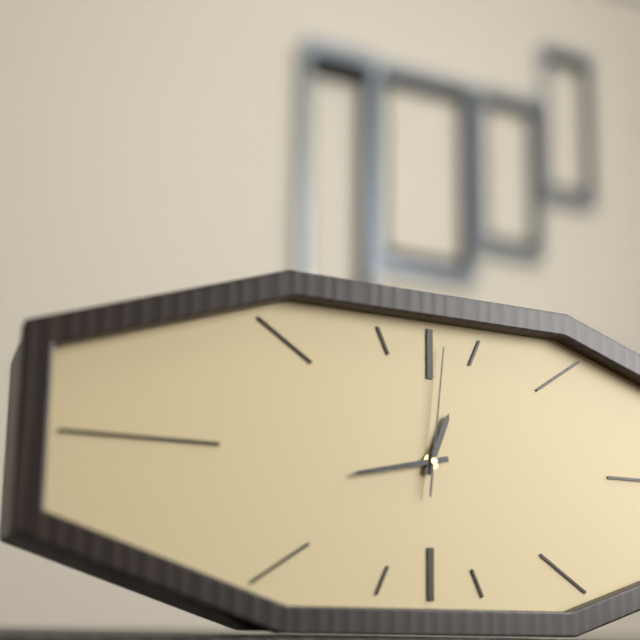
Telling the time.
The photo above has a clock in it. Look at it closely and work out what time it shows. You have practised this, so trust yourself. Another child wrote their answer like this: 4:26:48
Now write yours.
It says 12:43:01
